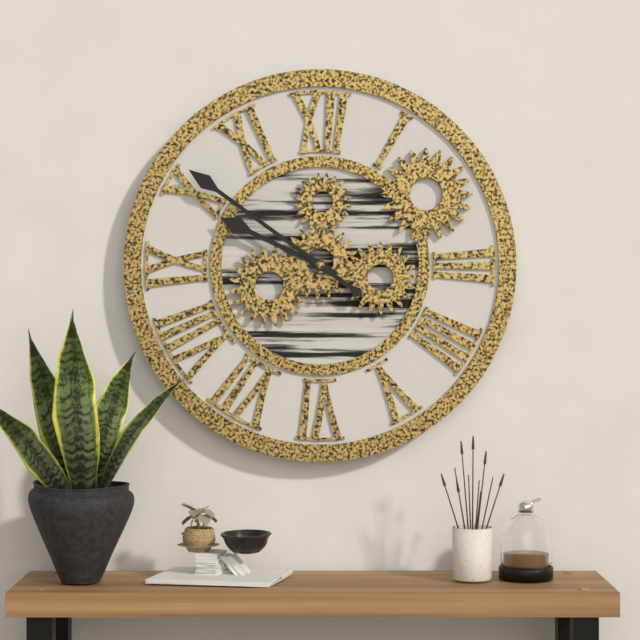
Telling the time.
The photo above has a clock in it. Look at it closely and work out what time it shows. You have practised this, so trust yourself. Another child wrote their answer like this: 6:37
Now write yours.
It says 9:51
